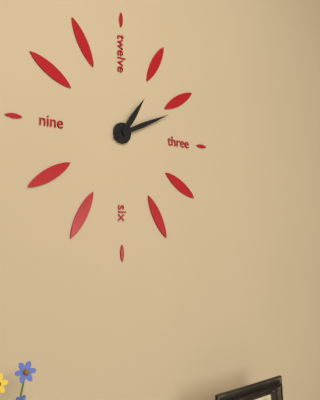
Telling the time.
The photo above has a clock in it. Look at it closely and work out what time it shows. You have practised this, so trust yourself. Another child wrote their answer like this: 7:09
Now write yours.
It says 1:11
